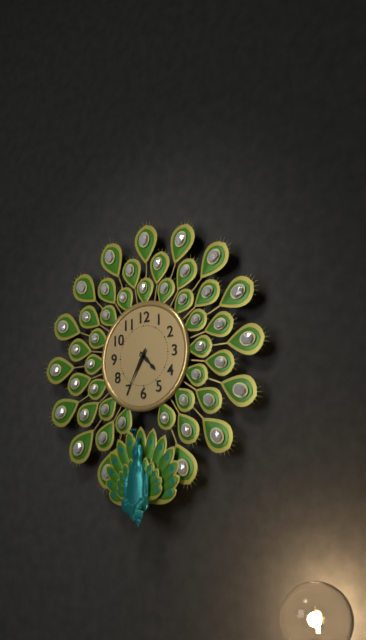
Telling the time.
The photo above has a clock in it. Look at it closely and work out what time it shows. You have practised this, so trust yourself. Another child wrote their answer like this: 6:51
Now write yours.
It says 4:35
